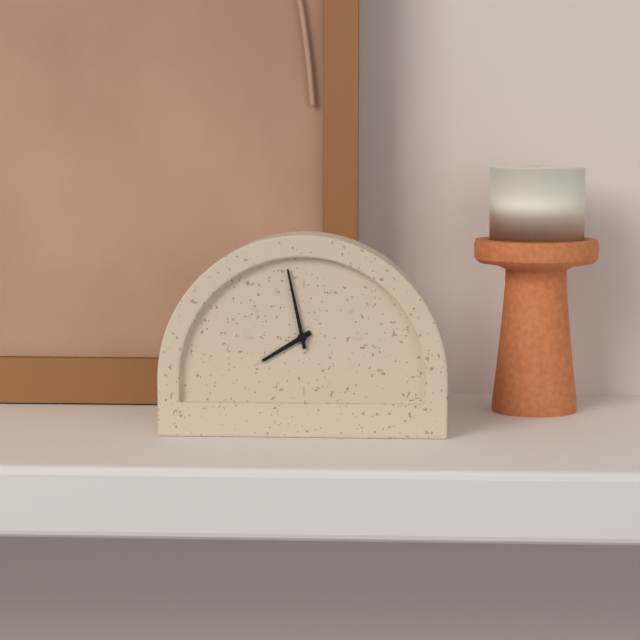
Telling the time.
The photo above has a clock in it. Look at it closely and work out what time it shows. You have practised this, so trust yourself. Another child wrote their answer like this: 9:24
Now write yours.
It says 7:58
